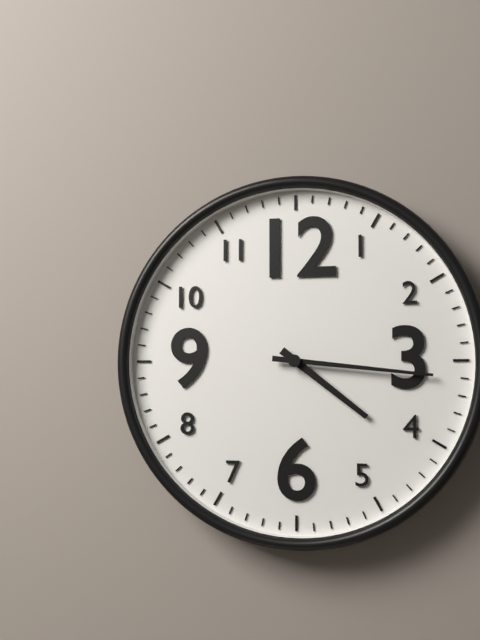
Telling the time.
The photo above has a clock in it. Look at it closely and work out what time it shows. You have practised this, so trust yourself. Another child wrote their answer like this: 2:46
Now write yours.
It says 4:16
